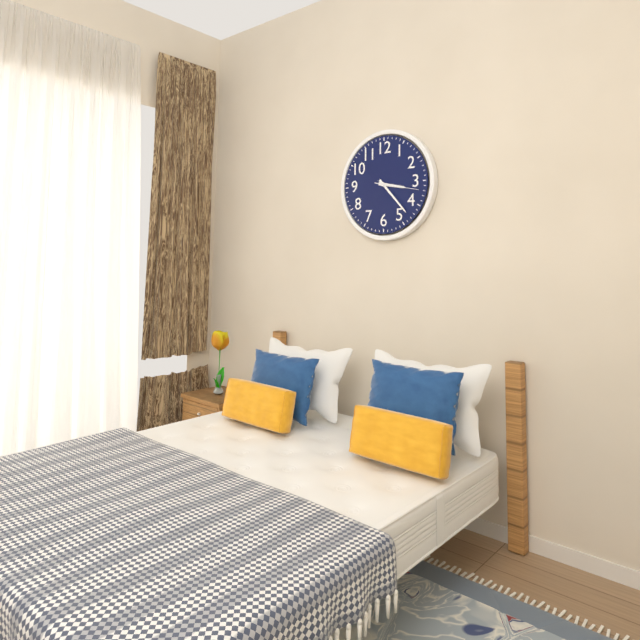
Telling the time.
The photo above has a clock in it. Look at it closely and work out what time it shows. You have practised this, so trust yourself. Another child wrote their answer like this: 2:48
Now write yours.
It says 3:23
